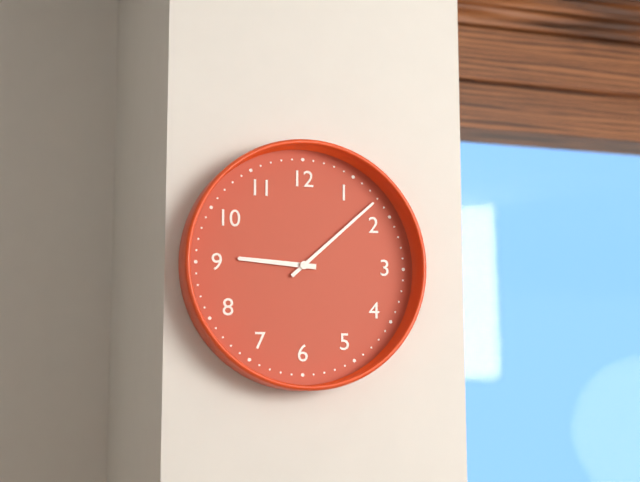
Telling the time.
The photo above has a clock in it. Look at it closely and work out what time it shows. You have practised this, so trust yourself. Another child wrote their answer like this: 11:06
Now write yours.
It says 9:08
